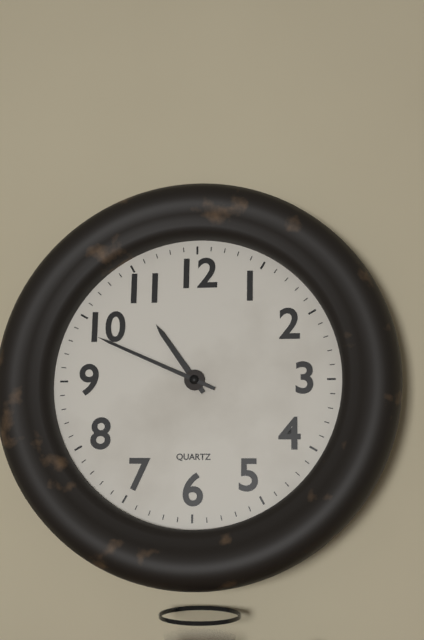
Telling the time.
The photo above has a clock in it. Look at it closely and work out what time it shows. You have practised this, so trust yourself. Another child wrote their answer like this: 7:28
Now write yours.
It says 10:49
